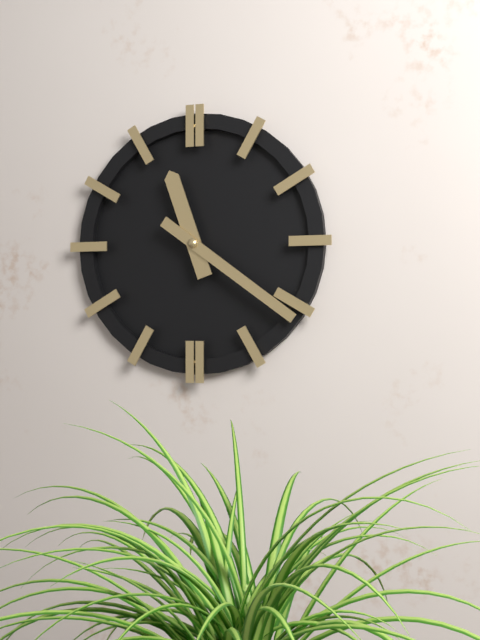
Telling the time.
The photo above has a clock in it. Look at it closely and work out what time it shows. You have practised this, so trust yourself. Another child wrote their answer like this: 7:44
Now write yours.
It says 11:21
